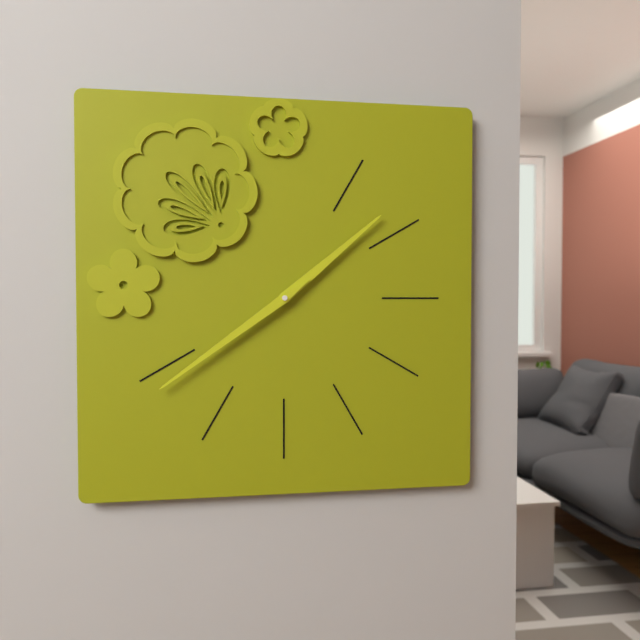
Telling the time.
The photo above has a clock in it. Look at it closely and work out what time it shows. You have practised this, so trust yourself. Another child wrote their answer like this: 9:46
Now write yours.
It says 1:39
